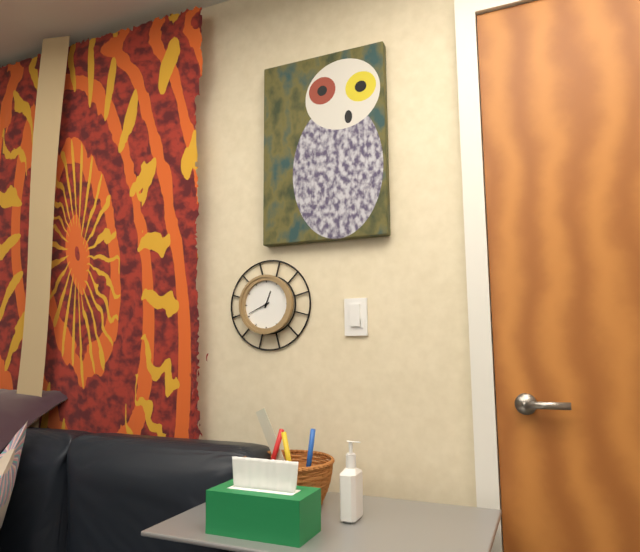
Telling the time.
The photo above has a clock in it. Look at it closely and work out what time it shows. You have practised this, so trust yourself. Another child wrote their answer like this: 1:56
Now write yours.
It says 12:41
